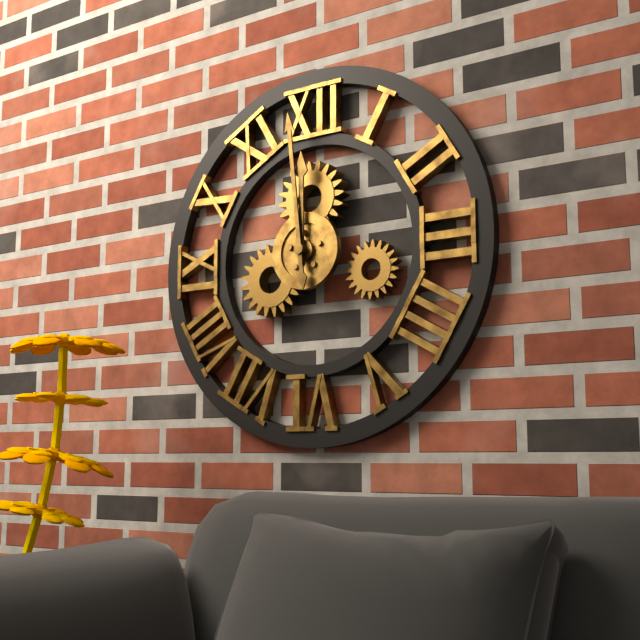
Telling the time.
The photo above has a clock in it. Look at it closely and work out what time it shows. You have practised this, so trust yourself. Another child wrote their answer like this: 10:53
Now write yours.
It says 11:59
